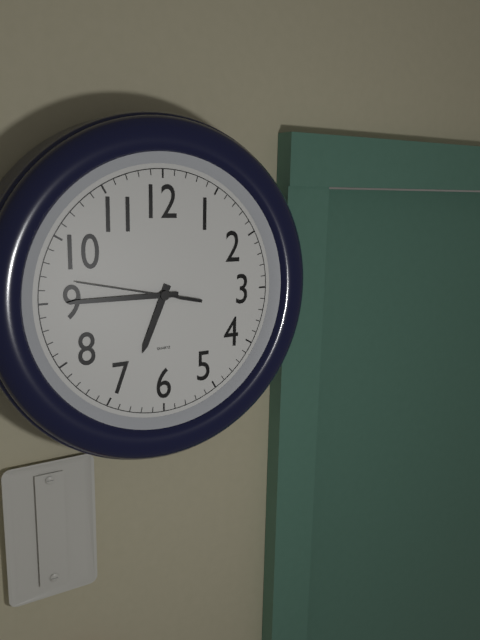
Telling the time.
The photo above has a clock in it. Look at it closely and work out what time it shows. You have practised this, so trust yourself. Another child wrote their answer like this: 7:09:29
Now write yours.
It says 6:45:47
